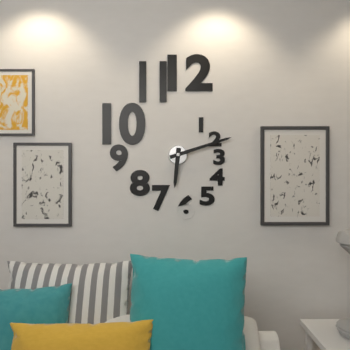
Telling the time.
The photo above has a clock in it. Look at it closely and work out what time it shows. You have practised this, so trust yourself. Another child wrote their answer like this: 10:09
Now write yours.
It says 6:12
